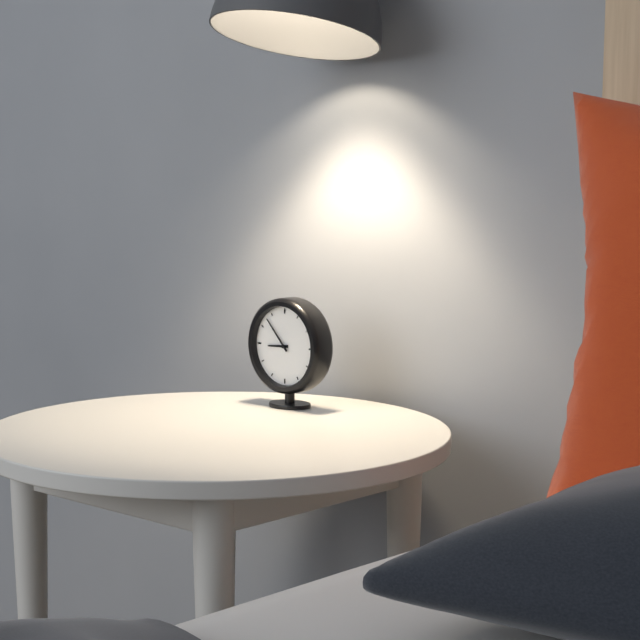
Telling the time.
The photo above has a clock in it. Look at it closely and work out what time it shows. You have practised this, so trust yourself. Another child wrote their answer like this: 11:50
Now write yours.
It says 8:53
